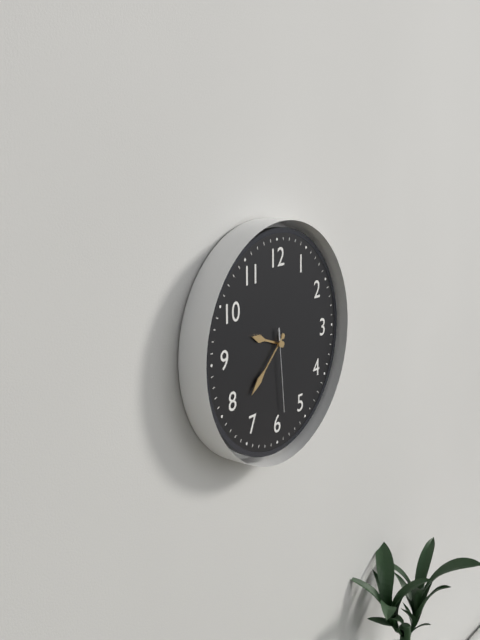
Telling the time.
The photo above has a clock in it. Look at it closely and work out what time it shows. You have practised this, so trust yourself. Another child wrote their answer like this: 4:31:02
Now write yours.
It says 9:38:29
